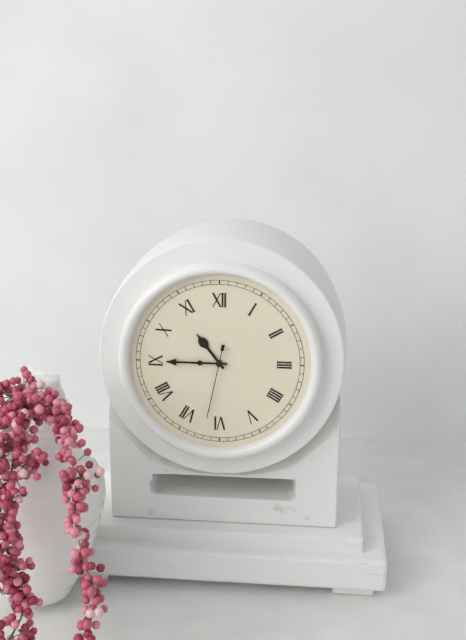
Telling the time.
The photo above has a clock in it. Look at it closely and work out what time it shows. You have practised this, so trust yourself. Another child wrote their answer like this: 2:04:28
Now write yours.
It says 10:45:32
